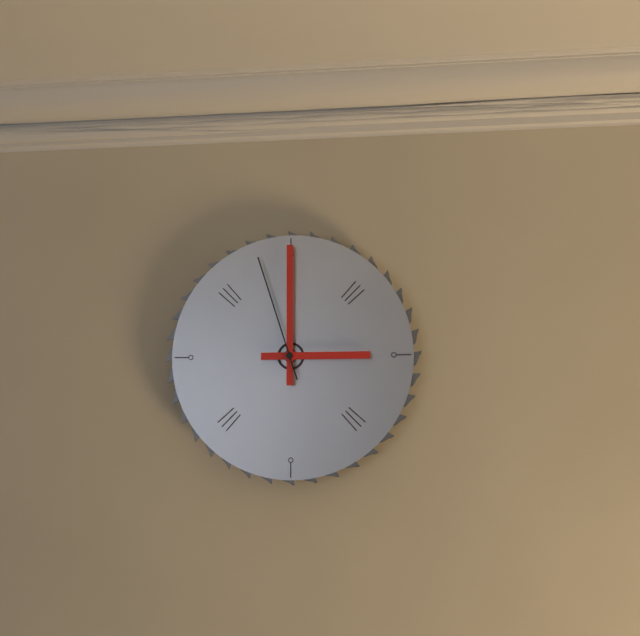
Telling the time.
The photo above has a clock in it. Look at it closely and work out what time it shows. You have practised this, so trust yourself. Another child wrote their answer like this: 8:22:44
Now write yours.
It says 3:00:57
